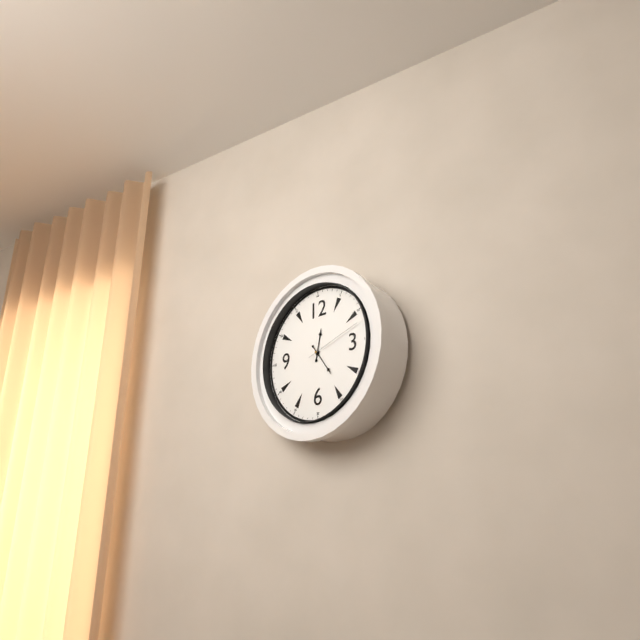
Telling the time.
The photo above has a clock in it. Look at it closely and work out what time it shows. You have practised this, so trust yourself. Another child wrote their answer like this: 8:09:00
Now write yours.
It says 12:24:12
